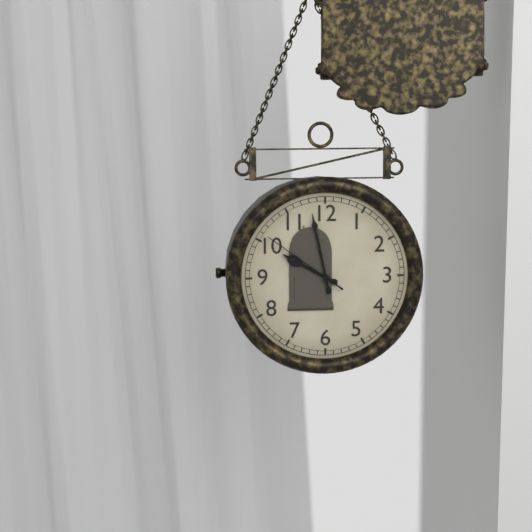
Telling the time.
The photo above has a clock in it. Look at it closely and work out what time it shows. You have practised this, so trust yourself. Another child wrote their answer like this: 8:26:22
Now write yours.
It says 9:58:51
